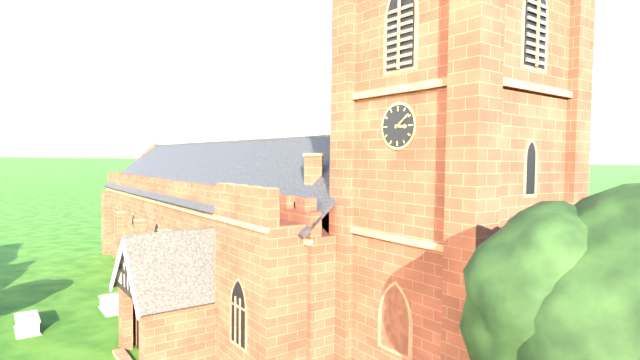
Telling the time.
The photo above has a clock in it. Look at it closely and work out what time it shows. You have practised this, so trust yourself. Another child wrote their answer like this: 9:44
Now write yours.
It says 3:09
